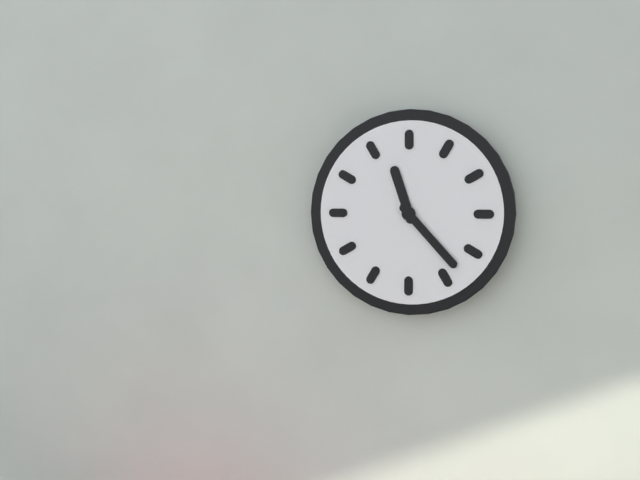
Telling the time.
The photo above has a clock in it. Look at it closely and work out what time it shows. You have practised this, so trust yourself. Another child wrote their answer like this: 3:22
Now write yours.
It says 11:23
